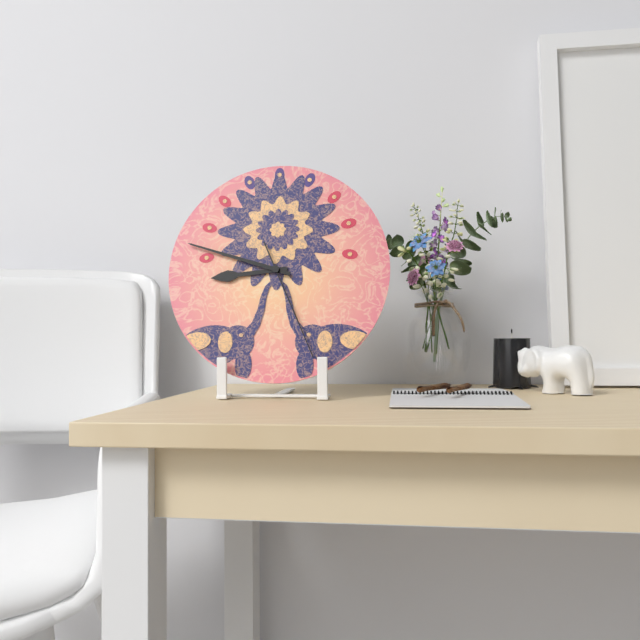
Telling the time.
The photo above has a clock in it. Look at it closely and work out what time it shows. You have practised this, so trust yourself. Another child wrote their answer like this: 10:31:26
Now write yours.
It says 8:48:26
